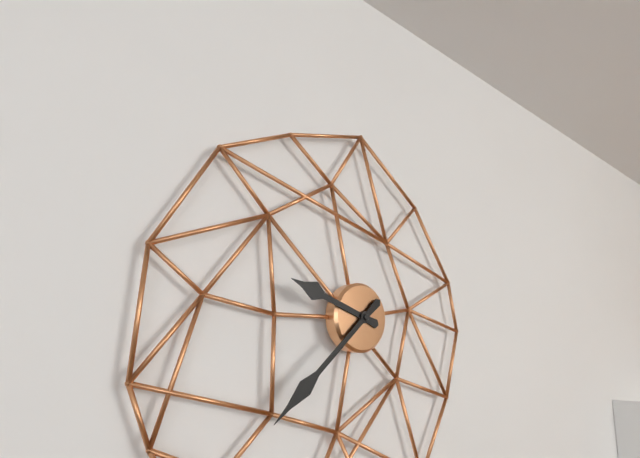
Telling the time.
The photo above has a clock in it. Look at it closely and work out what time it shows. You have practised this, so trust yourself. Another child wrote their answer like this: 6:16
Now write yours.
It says 9:38
